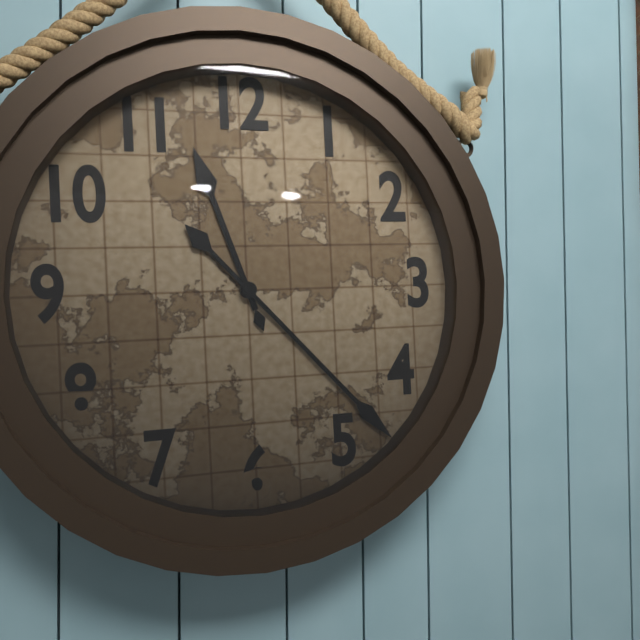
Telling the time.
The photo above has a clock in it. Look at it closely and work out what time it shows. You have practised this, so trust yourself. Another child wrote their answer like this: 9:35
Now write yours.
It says 11:23
